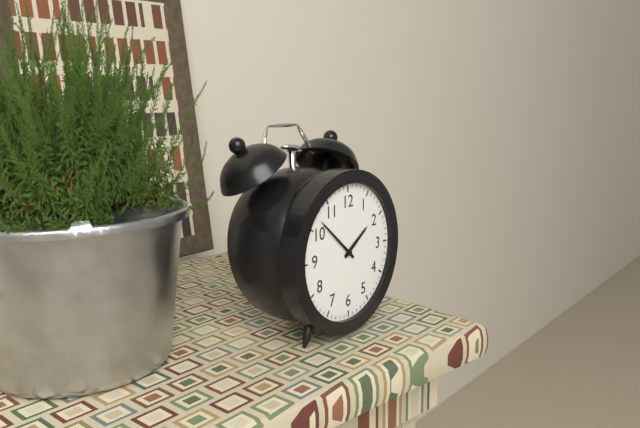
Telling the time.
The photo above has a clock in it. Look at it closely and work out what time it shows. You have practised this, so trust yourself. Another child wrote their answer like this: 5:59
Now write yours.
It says 1:52
